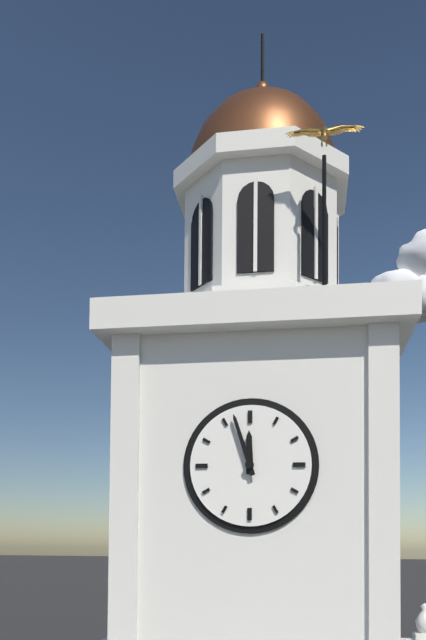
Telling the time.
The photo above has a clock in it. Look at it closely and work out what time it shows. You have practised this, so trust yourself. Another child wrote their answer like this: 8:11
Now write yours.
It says 11:57
